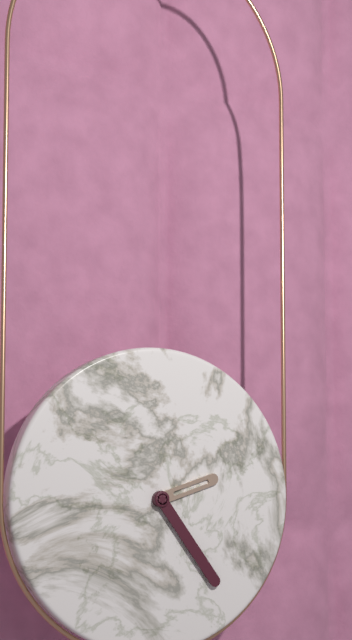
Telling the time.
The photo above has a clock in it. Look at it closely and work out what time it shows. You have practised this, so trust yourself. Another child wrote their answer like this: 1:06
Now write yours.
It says 2:24
